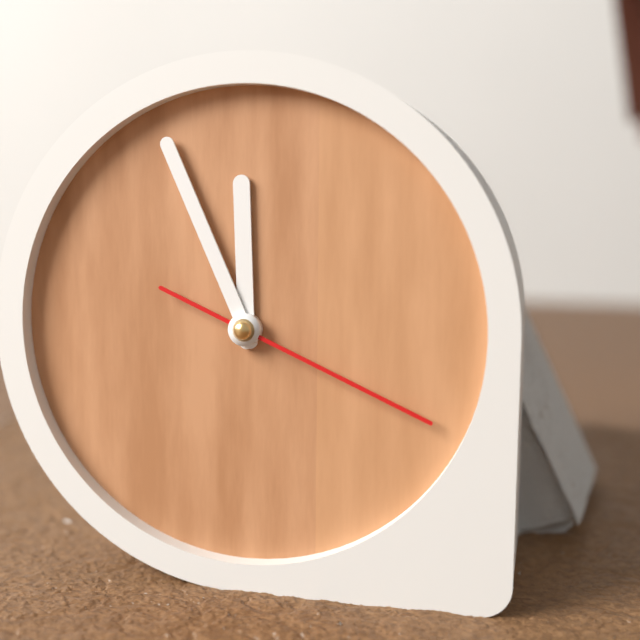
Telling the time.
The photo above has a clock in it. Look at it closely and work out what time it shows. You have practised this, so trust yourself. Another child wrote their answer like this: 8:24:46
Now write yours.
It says 11:56:19
